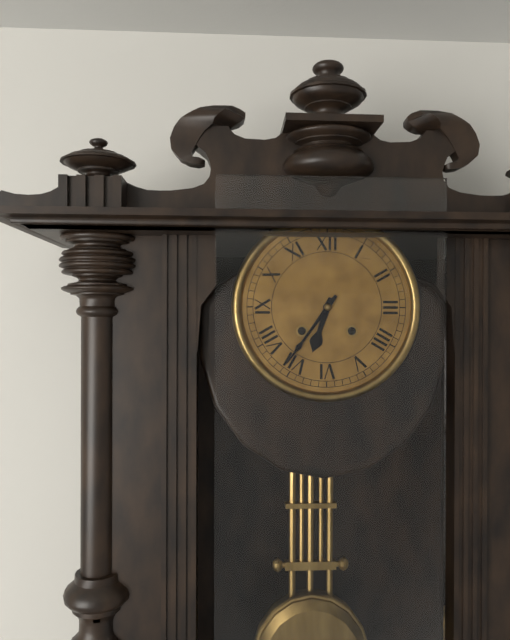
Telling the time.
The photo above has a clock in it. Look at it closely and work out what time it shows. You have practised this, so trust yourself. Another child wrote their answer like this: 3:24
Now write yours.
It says 6:36
